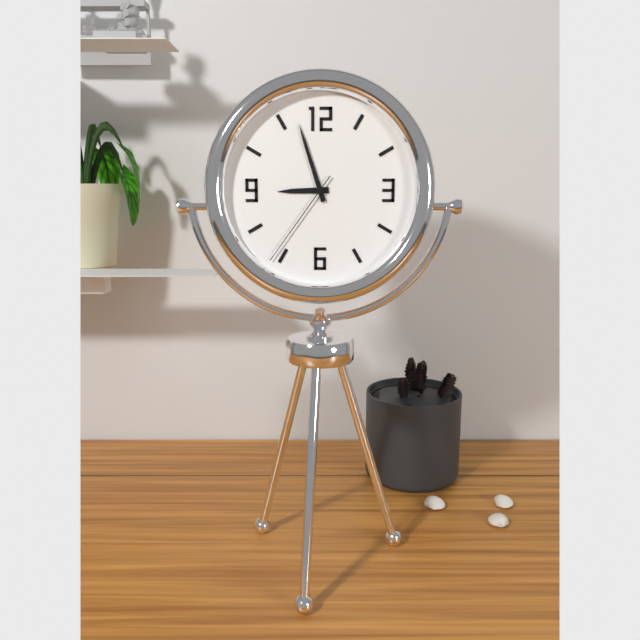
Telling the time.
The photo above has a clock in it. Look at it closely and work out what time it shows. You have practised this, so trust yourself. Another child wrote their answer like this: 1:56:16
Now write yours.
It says 8:57:36
